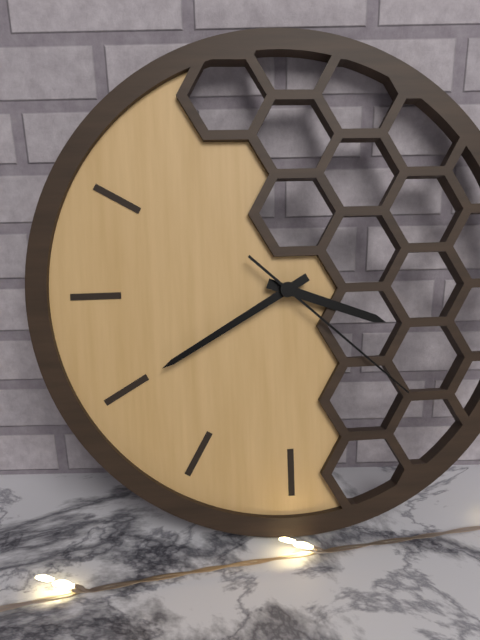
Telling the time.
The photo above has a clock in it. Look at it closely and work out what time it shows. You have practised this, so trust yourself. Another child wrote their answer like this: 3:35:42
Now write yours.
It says 3:40:22
